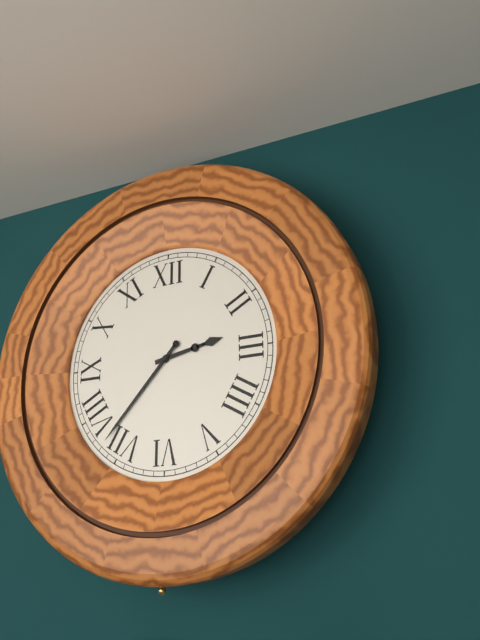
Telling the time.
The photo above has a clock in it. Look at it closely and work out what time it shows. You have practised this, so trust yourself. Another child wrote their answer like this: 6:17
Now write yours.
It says 2:37
